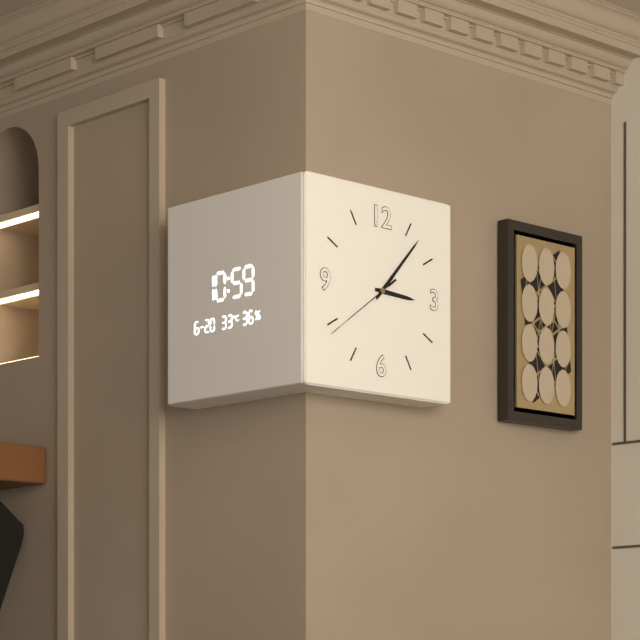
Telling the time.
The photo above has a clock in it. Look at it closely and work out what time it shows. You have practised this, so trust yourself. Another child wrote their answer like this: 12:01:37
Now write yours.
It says 3:07:39
